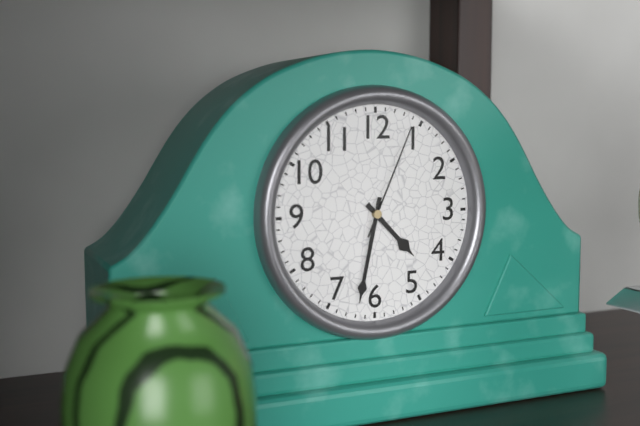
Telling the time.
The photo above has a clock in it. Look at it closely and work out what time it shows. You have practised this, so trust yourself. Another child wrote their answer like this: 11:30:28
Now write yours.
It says 4:32:04
